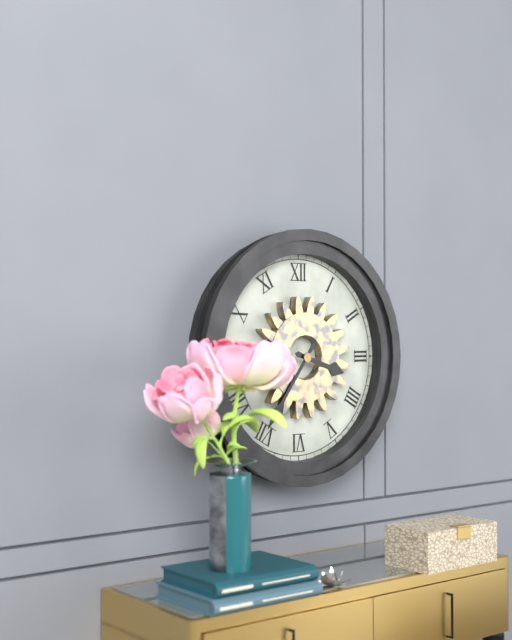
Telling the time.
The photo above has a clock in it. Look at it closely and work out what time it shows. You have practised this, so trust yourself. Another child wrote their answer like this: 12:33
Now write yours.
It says 3:36
